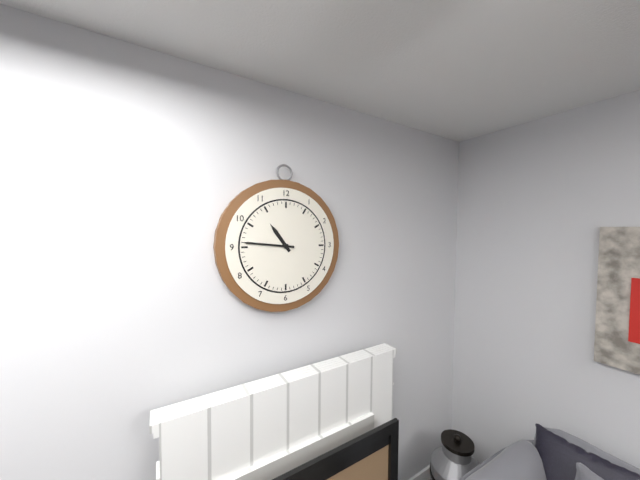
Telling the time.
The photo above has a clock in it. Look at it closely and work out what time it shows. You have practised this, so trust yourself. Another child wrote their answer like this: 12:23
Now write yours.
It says 10:46
